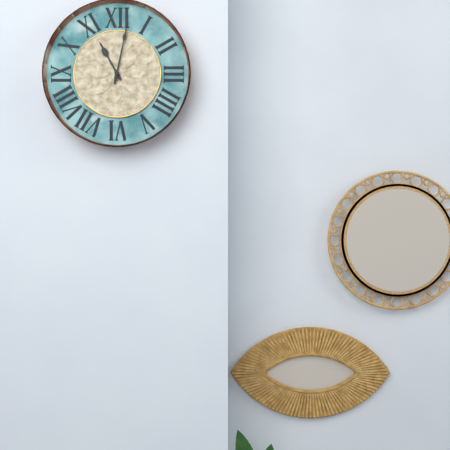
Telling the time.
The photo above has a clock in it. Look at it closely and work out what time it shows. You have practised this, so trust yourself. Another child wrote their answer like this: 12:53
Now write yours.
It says 11:02
